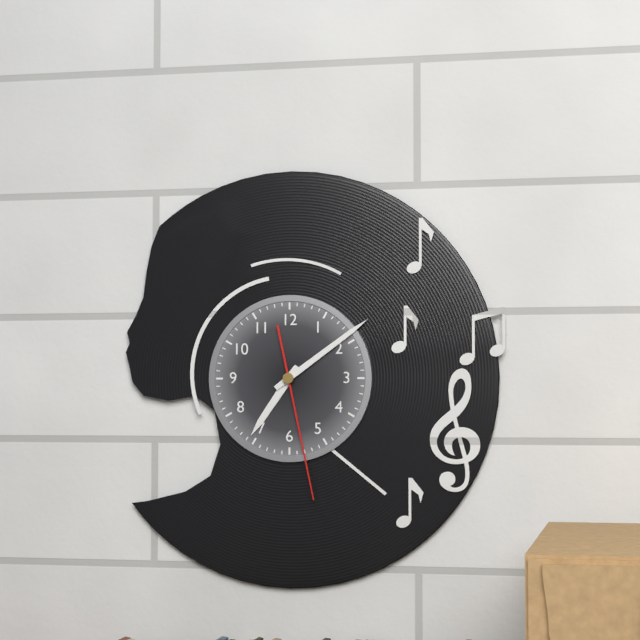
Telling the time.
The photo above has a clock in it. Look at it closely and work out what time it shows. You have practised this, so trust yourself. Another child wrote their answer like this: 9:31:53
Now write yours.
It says 7:09:28
